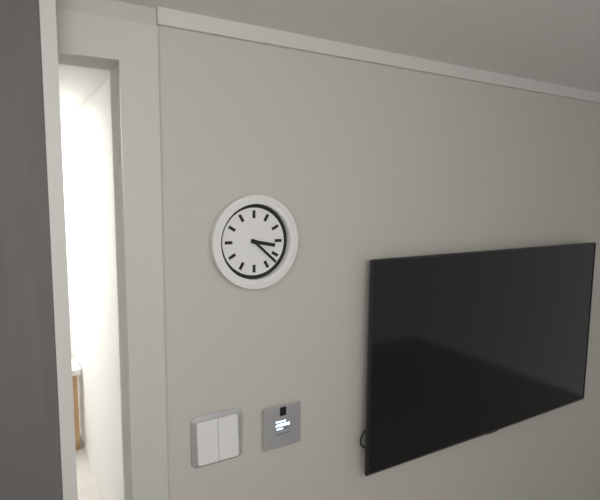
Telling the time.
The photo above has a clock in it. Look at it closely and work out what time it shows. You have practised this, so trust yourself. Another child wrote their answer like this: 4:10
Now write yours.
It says 3:22
